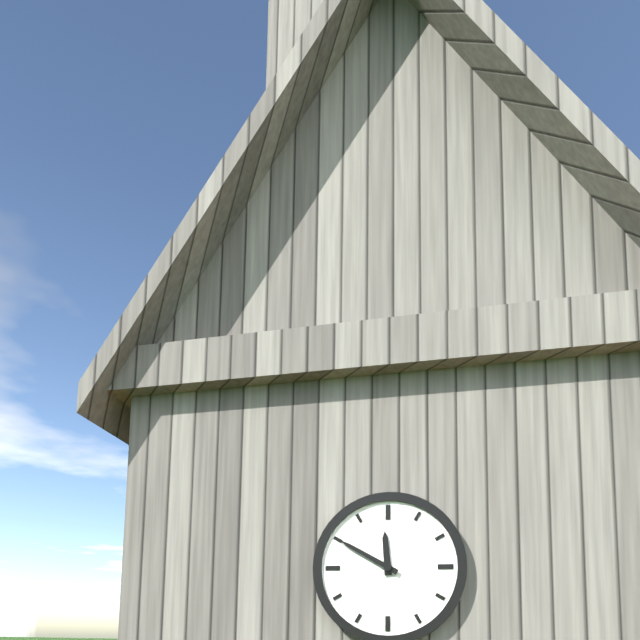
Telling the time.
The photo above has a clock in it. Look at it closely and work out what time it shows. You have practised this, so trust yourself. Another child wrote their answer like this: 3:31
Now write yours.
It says 11:50
